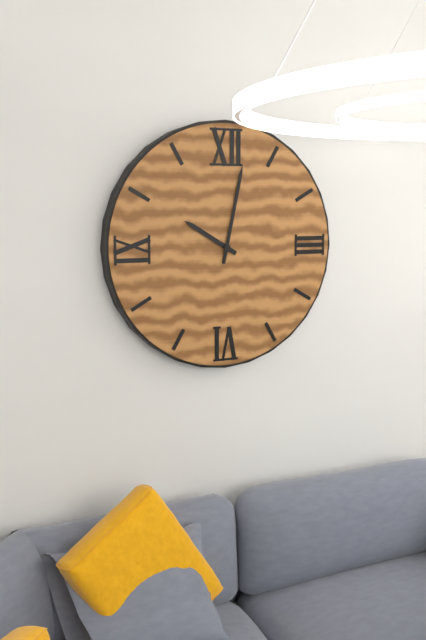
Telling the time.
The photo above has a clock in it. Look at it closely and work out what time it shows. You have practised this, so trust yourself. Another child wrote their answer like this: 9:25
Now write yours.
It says 10:02
